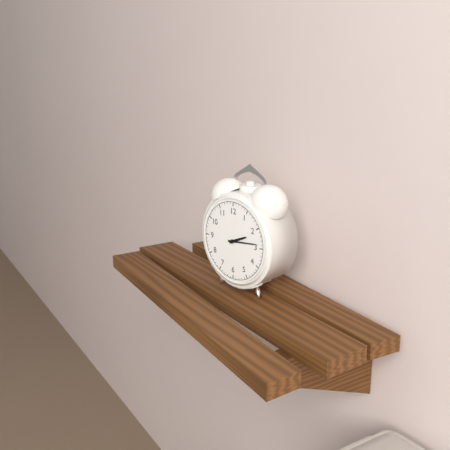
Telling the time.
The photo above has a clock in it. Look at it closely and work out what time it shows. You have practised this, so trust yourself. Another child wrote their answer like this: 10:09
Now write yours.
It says 2:14
